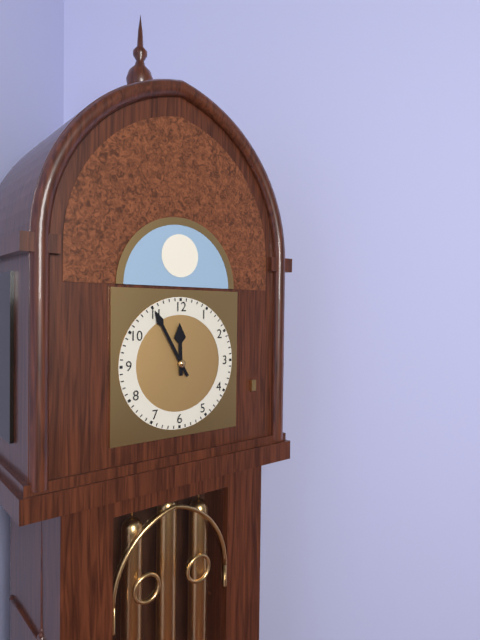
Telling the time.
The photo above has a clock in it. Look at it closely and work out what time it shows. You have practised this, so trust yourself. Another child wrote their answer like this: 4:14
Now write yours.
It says 11:55
